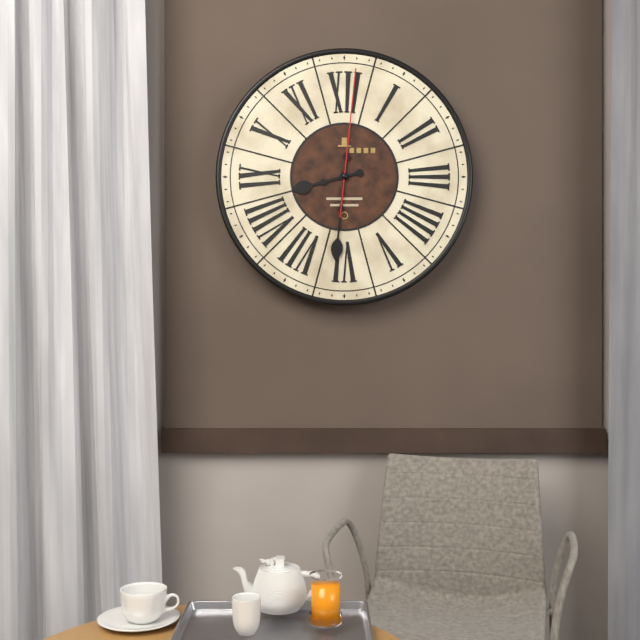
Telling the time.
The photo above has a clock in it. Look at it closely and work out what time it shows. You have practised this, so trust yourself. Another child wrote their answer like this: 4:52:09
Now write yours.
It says 8:31:01
